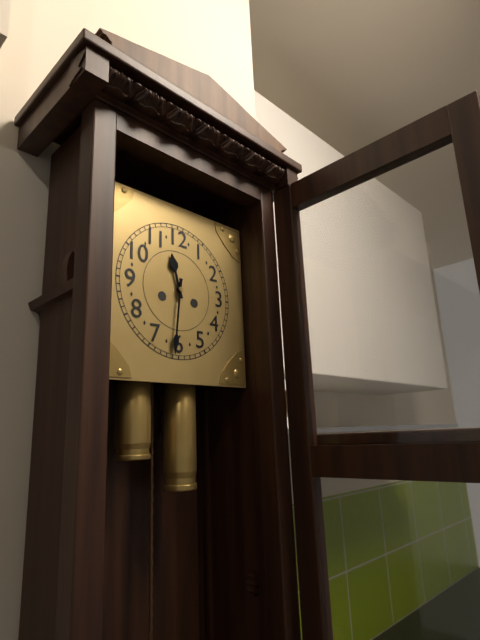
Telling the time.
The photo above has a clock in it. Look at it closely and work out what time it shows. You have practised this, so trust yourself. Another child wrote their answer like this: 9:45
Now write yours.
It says 11:31
